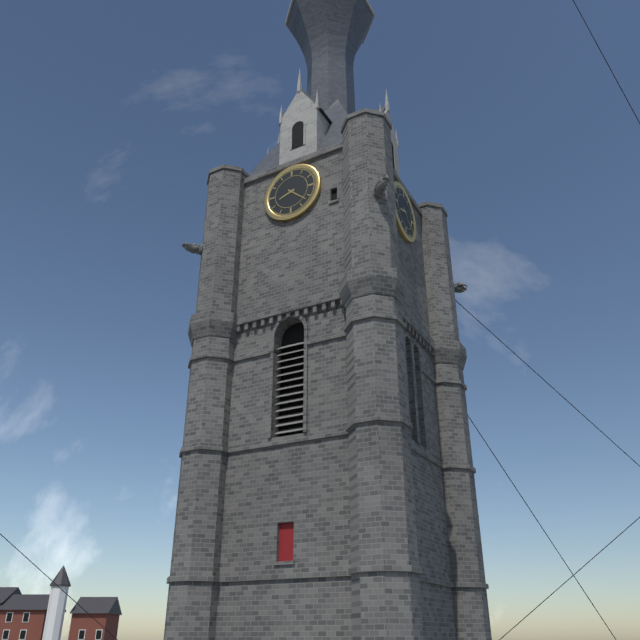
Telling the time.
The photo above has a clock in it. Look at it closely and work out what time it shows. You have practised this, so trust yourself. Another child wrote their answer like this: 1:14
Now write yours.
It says 8:22
